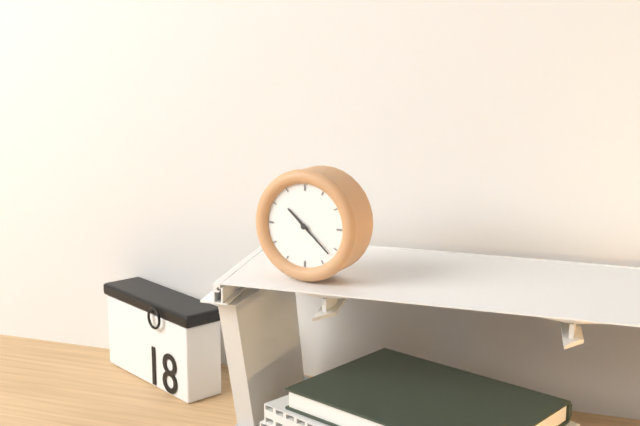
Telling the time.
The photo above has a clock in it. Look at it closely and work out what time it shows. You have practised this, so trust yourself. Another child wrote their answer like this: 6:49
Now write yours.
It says 10:22
